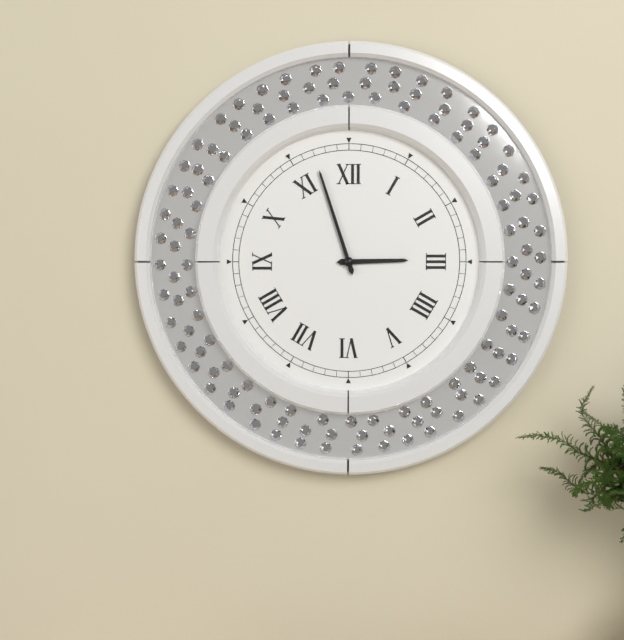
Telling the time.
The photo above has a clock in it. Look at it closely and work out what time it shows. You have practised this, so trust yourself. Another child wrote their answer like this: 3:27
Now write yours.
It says 2:57
